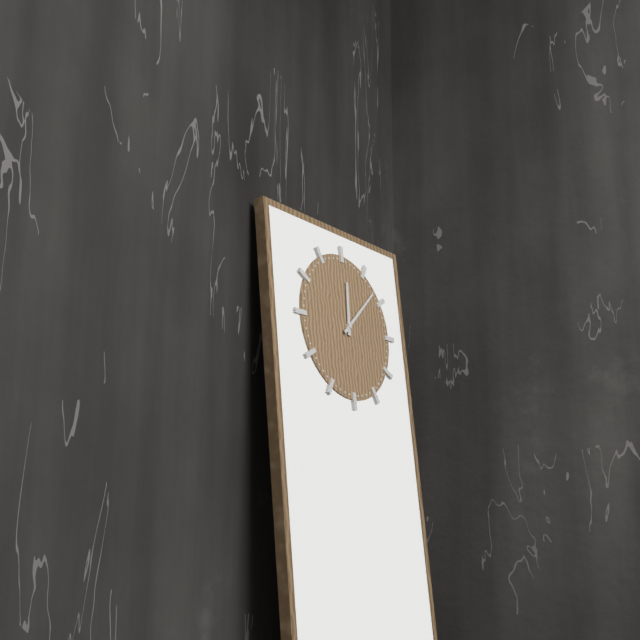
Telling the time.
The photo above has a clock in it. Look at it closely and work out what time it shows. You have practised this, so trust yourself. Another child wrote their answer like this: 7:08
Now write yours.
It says 12:08
